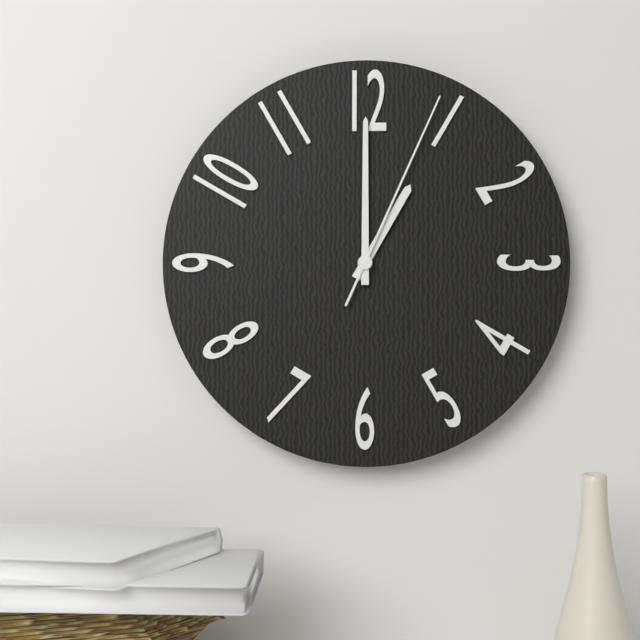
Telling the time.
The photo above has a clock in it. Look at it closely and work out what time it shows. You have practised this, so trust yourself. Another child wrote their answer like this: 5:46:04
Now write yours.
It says 1:00:04
